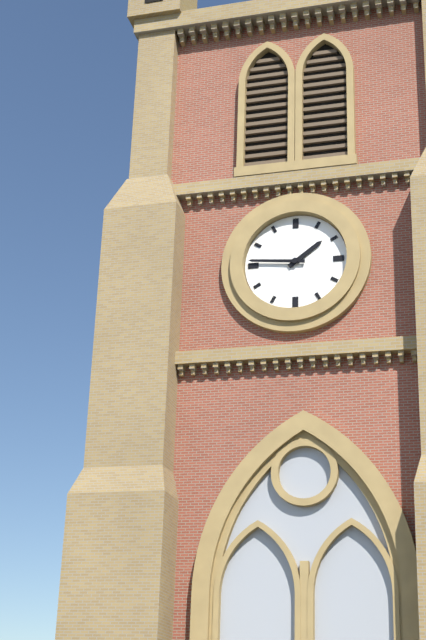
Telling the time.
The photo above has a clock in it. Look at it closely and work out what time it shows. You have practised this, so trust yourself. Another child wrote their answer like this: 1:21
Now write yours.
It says 1:46
